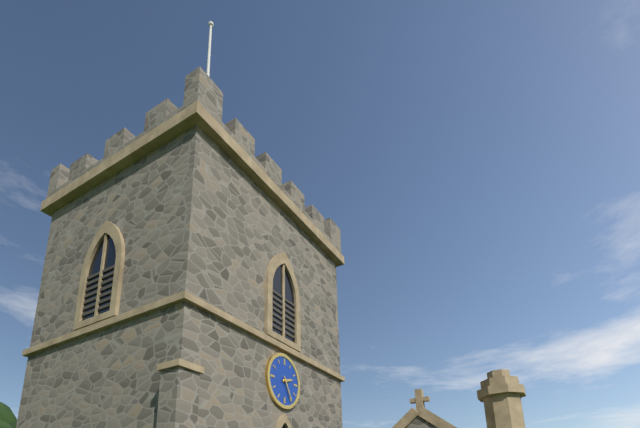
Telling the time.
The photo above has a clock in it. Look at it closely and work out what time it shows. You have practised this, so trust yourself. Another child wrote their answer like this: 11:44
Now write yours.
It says 2:25
